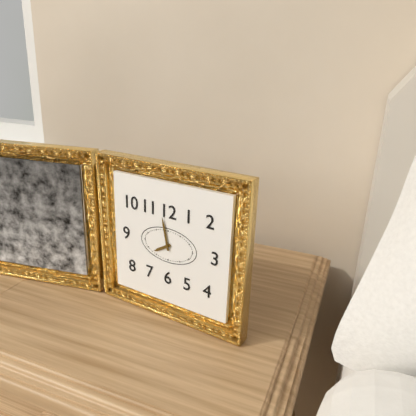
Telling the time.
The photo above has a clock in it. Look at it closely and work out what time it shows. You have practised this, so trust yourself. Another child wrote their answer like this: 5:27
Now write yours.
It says 7:58
